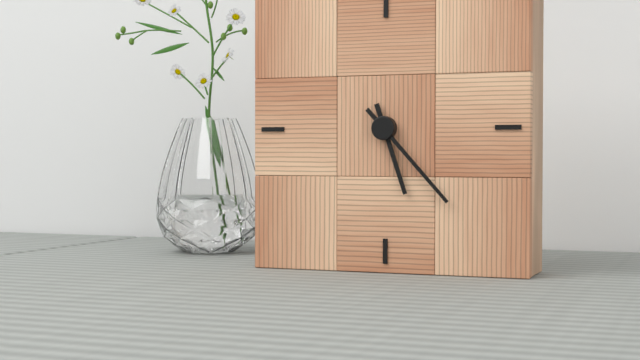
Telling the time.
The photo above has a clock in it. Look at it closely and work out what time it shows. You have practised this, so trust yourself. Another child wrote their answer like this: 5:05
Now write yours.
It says 5:23
